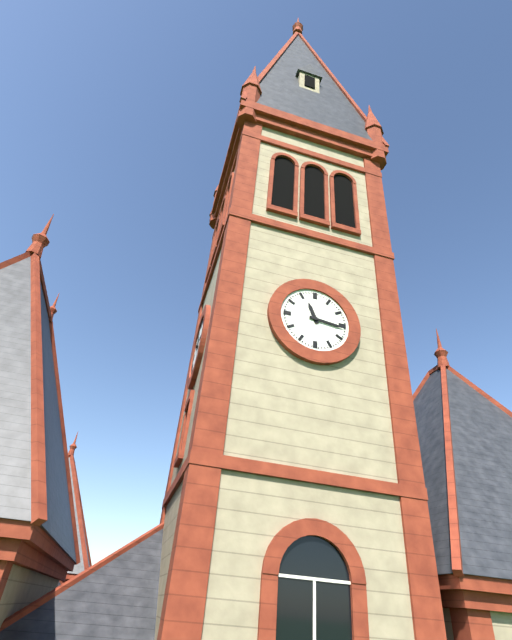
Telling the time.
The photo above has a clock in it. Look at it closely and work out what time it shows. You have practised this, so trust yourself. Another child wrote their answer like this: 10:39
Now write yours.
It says 11:16
